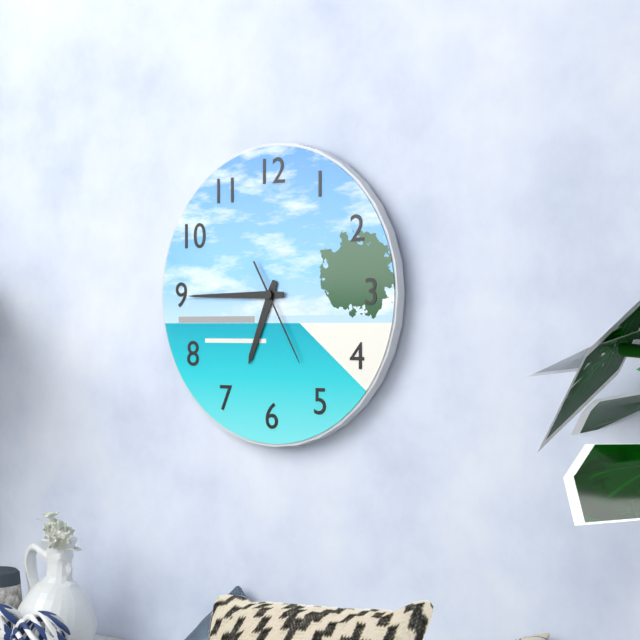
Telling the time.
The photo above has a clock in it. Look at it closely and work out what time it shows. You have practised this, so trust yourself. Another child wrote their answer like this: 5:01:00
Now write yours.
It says 6:45:25
